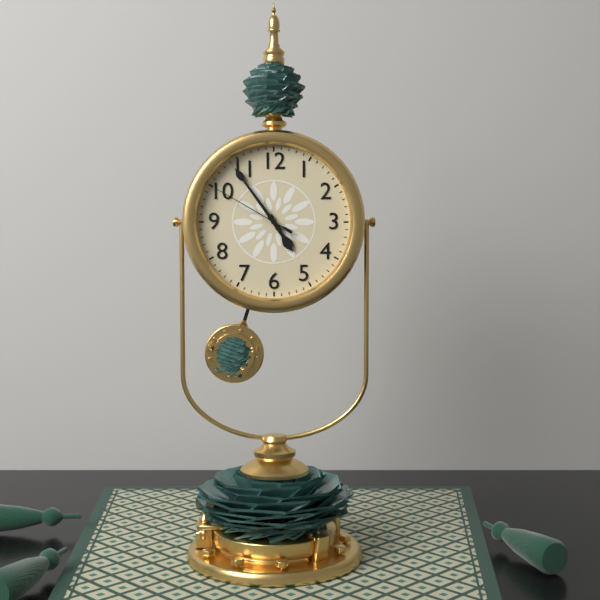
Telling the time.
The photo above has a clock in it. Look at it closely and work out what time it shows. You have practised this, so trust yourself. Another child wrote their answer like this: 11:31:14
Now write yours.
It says 4:54:50
